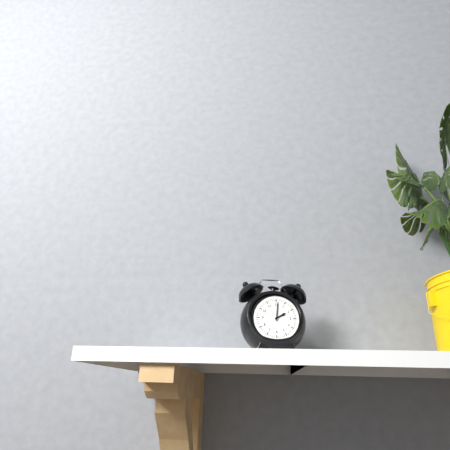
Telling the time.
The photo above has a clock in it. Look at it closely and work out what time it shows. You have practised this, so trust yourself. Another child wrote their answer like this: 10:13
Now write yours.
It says 2:01
